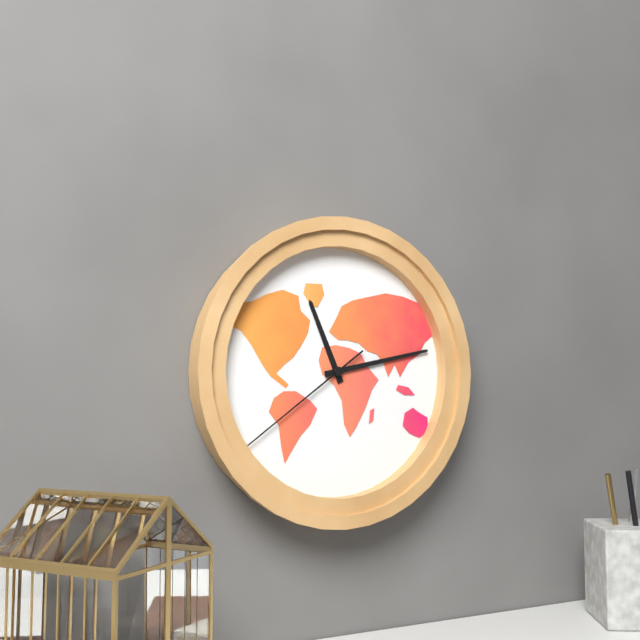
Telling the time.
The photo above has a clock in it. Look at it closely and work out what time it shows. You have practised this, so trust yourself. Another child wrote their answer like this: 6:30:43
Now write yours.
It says 11:13:39
